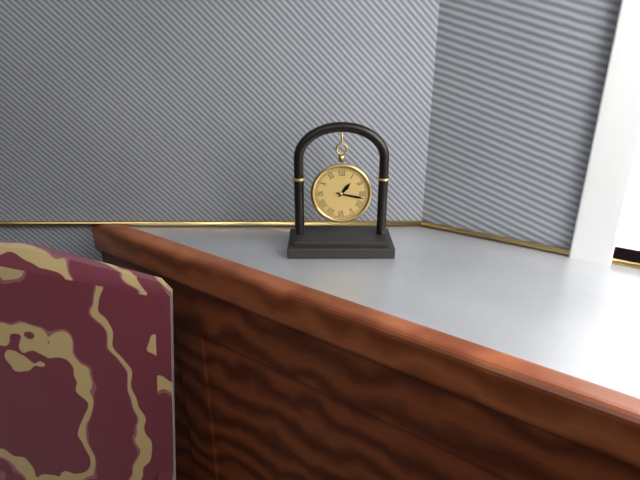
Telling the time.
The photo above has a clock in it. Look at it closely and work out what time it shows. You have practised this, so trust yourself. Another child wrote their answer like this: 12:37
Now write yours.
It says 1:17
